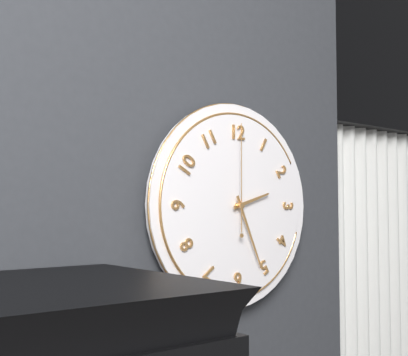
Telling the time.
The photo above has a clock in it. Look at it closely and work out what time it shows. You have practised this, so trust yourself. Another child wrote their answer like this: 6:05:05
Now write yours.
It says 2:26:00
